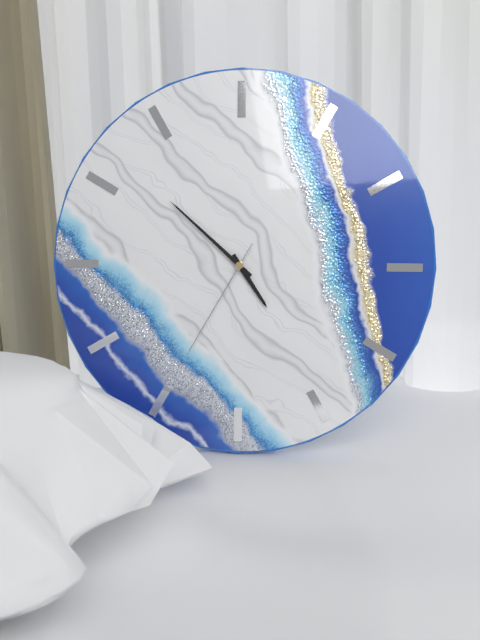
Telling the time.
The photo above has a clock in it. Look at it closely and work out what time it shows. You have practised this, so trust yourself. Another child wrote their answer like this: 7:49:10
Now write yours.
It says 4:52:35
